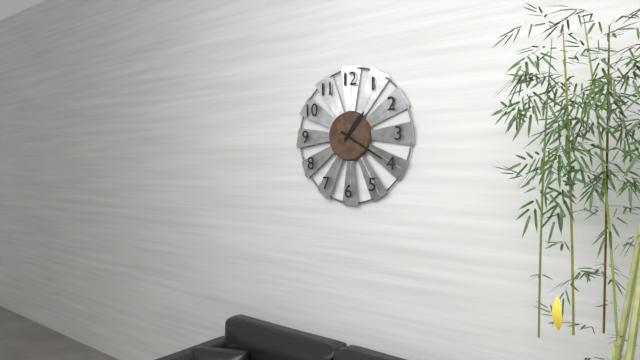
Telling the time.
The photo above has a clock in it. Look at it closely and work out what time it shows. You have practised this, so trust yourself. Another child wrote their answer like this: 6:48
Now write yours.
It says 1:20
